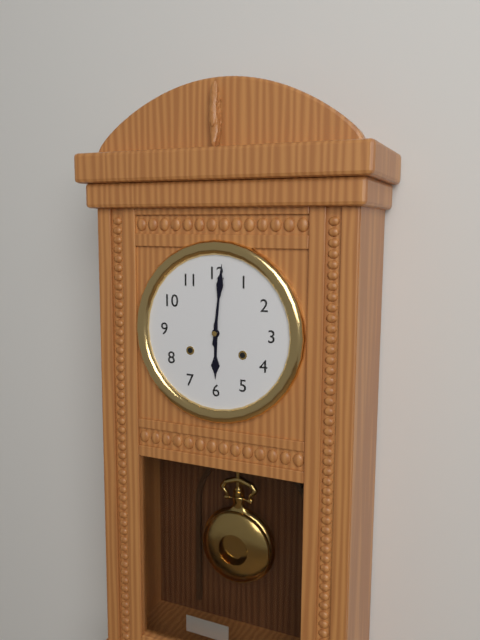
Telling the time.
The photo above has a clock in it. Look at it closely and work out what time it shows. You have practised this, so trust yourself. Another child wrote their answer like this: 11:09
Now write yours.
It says 6:01
